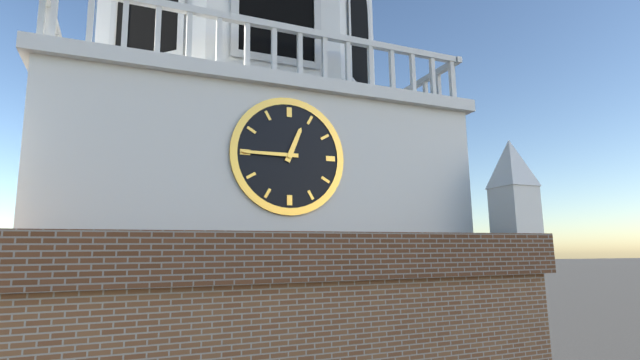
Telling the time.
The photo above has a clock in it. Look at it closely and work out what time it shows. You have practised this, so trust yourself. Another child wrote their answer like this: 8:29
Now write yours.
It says 12:45
